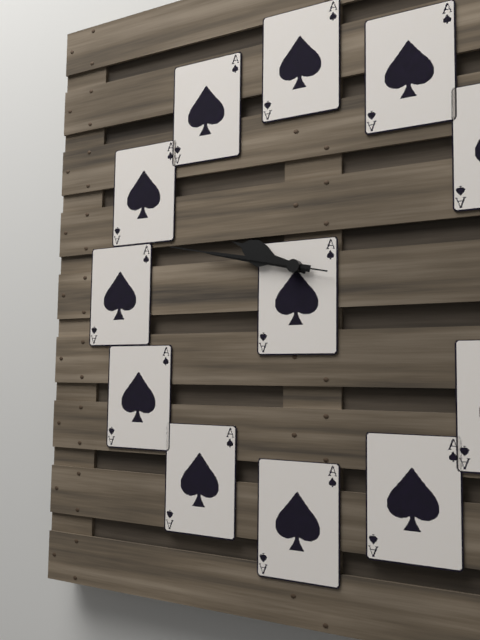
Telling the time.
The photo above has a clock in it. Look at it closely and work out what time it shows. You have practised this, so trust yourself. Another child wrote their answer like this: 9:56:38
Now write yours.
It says 9:47:47
